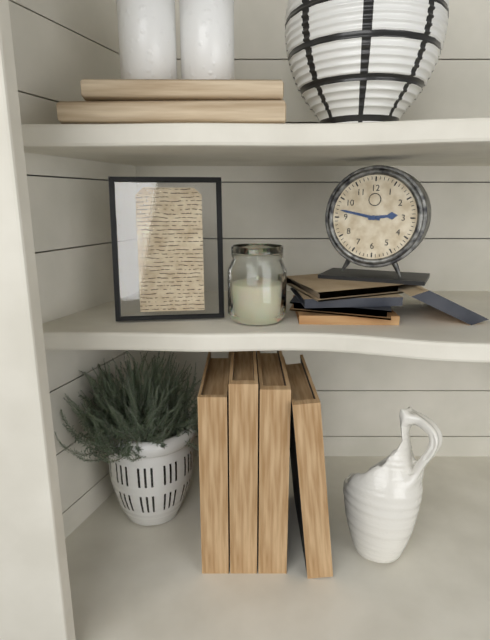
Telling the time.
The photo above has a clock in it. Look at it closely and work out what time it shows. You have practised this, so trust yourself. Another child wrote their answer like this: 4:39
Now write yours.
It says 2:47
